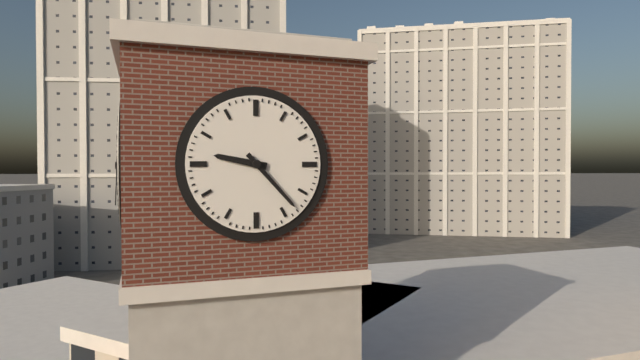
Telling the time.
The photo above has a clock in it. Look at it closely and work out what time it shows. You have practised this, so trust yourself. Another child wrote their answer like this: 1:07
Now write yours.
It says 9:23
